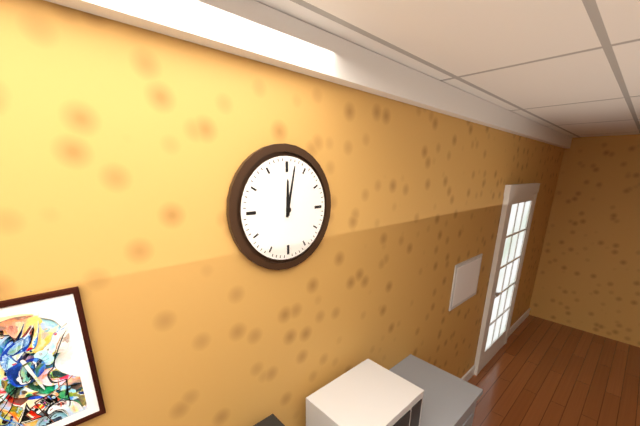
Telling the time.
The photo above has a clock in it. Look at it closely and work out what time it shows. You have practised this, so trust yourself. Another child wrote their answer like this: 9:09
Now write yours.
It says 12:02
